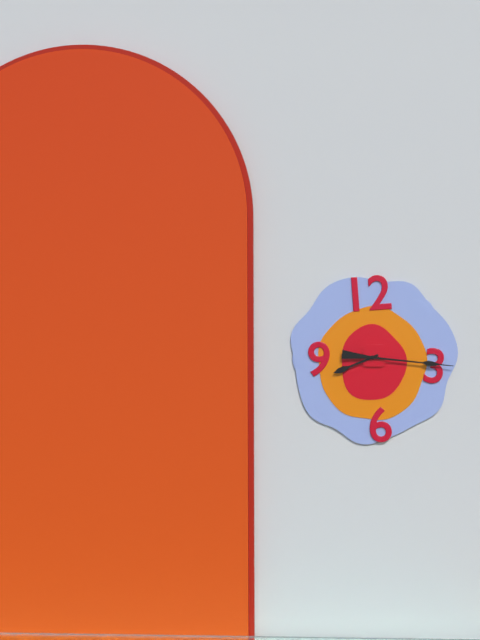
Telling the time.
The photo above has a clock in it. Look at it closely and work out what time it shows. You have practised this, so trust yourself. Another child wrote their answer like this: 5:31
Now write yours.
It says 8:16
